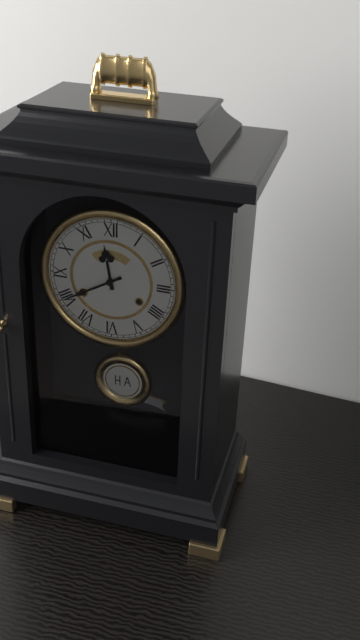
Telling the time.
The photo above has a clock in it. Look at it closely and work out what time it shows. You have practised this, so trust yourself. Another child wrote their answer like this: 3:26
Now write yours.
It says 11:40
